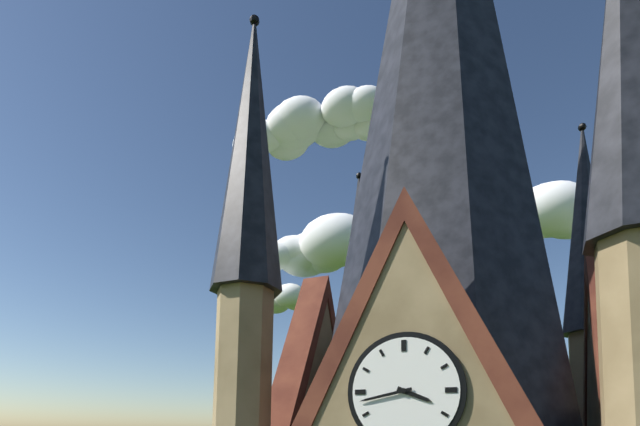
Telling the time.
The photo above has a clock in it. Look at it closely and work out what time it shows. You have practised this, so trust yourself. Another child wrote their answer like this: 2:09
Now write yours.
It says 3:43
